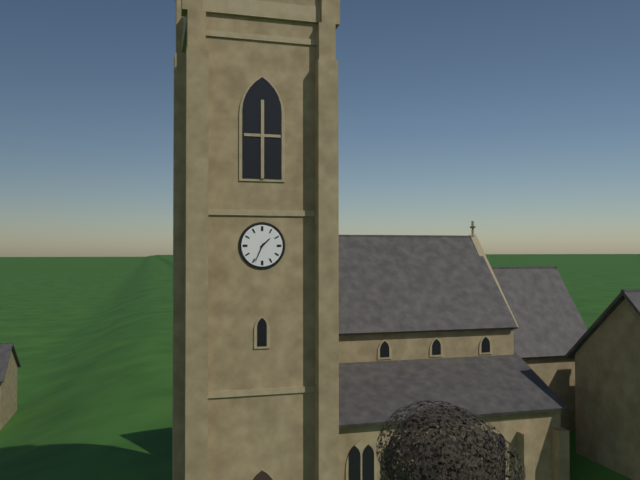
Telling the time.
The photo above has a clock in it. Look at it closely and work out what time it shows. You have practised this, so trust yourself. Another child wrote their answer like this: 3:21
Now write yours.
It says 1:34
